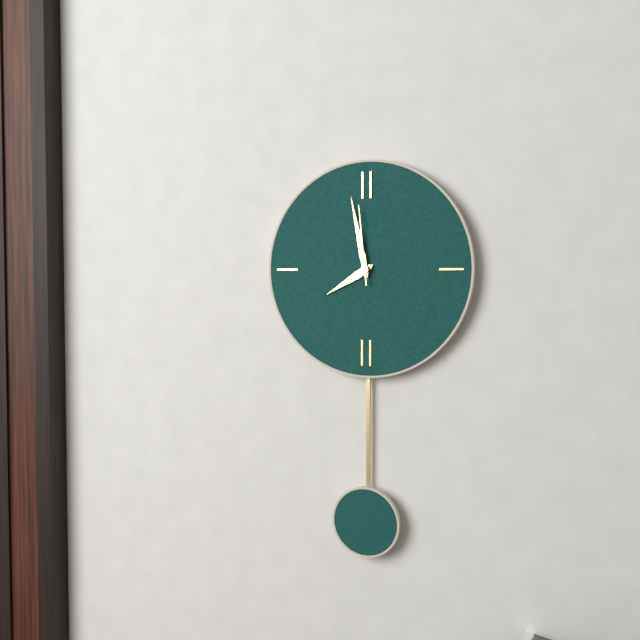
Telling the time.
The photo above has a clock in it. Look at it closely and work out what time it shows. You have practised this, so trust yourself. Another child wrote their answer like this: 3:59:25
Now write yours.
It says 7:58:59
